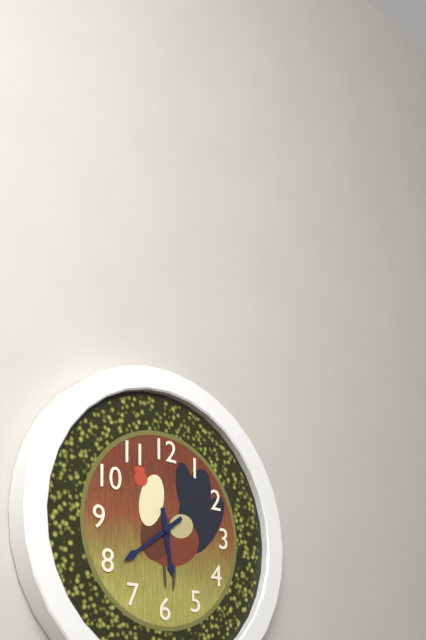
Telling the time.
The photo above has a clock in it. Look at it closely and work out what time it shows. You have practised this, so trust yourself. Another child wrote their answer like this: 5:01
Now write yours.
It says 5:39
